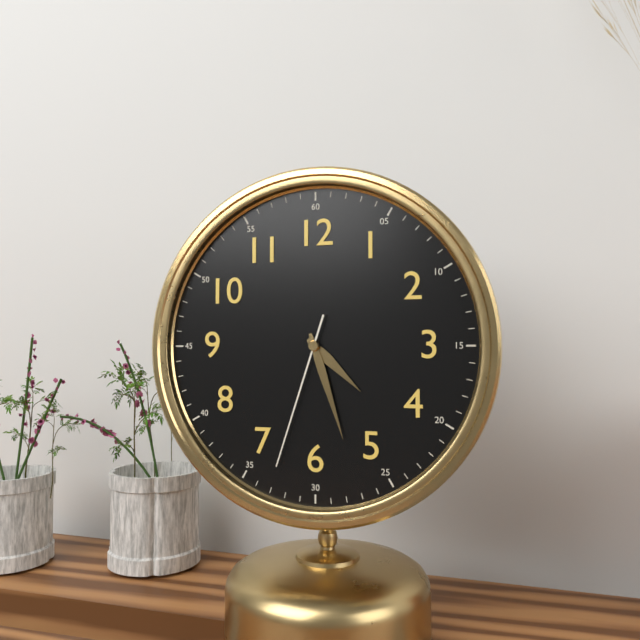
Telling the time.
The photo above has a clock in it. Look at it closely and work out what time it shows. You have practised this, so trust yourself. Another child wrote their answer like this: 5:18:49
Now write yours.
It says 4:27:33
